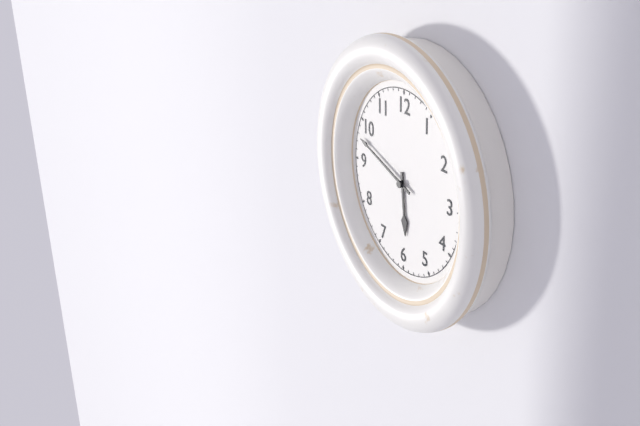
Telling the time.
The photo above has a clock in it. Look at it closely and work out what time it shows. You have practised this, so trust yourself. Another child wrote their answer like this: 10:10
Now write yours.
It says 5:48
